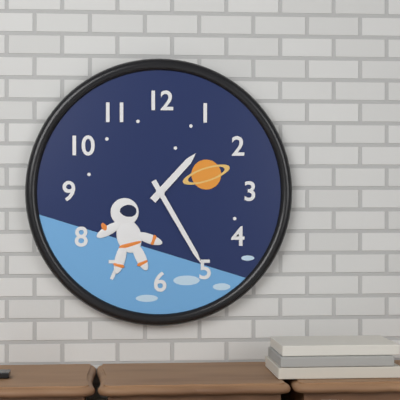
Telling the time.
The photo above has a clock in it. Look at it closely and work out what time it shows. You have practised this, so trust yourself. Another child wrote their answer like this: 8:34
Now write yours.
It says 1:25
